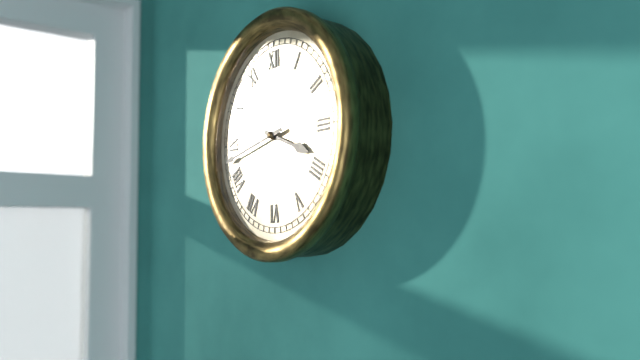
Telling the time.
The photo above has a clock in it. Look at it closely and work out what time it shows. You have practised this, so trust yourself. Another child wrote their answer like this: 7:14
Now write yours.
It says 3:43
